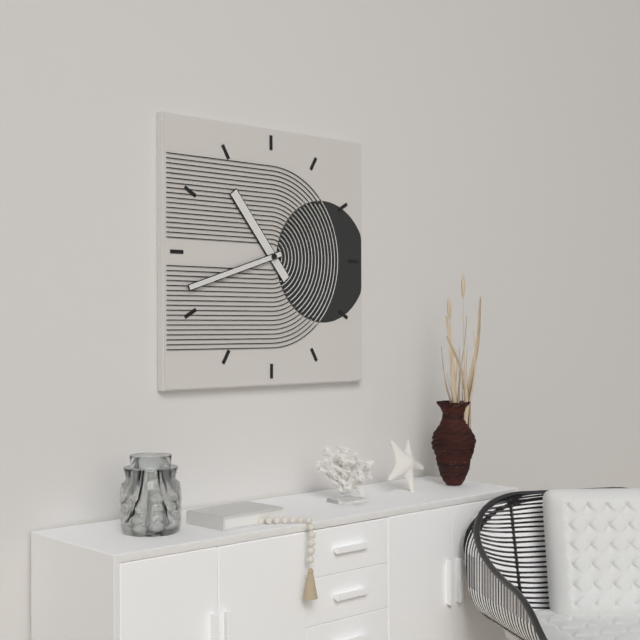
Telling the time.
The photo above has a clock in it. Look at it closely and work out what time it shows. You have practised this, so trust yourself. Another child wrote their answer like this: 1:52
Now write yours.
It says 10:42
